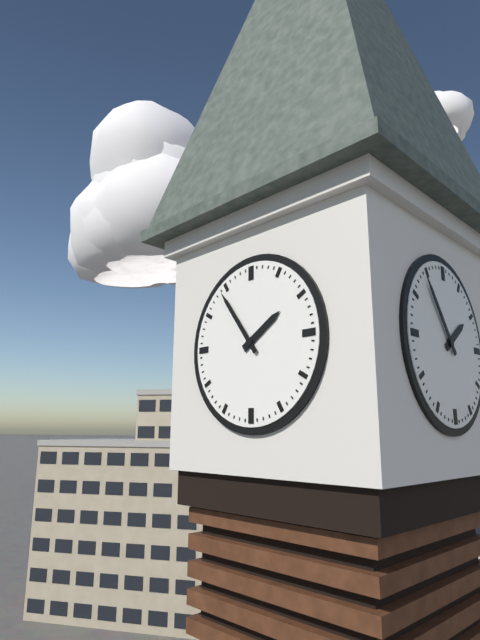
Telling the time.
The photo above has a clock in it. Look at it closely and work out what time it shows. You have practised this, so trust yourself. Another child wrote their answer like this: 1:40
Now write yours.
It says 1:54
